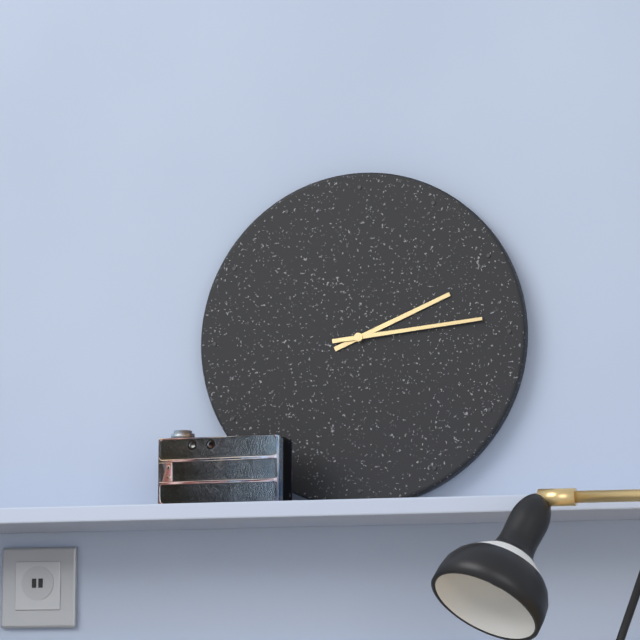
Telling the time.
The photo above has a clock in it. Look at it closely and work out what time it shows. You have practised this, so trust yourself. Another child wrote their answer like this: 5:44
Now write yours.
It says 2:14
